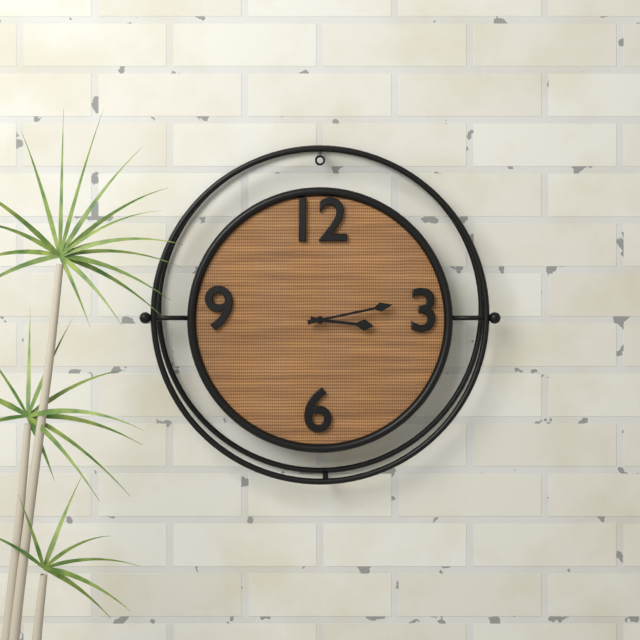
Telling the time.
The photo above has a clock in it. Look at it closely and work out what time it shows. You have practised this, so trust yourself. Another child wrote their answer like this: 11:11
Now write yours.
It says 3:13
